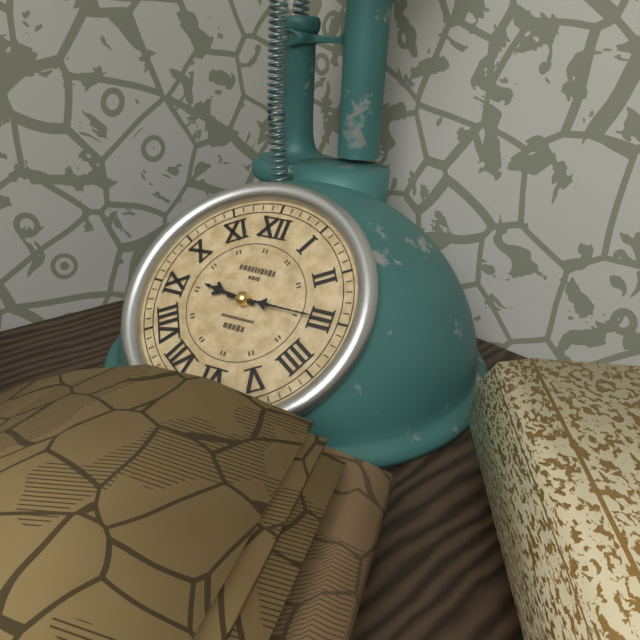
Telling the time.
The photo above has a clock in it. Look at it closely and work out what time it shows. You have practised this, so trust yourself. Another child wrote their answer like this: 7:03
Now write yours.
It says 9:15
